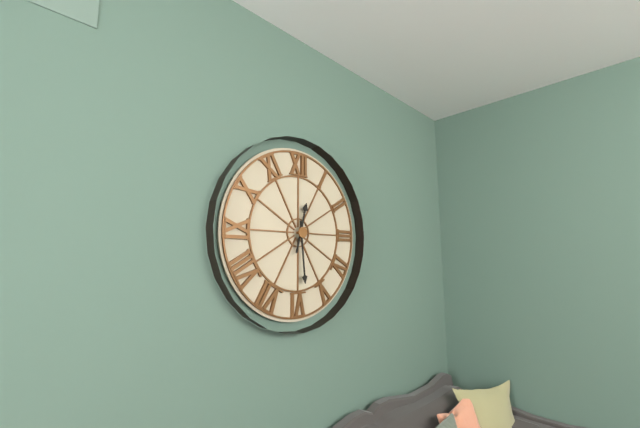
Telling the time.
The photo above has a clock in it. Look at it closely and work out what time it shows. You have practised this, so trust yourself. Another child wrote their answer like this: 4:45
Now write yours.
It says 12:29
